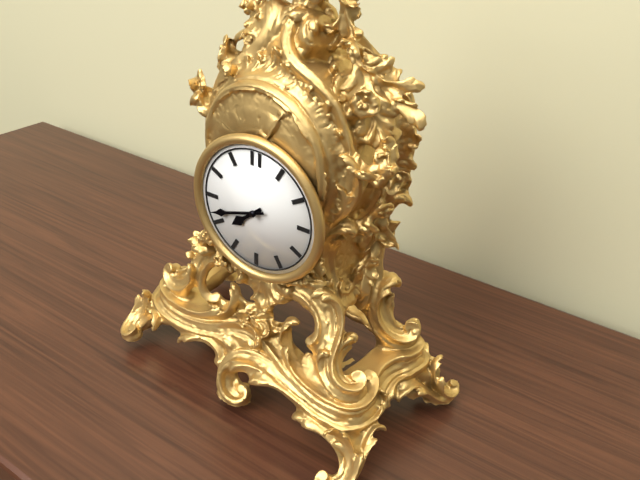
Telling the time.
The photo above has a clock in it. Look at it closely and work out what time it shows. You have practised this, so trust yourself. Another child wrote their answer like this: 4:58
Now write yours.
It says 7:42
